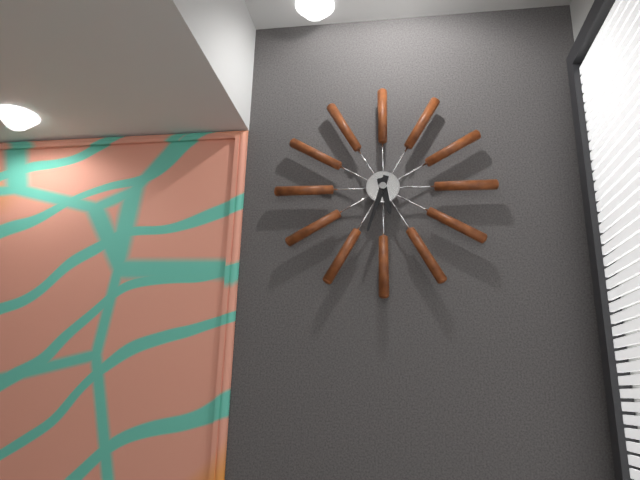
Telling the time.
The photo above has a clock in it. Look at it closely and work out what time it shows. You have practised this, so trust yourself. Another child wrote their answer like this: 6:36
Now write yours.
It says 5:33
